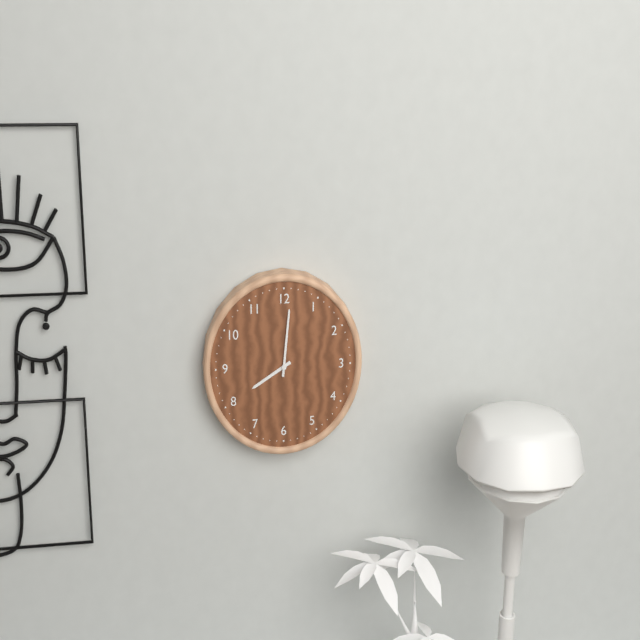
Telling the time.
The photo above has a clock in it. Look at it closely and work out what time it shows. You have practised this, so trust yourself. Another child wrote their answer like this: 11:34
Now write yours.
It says 8:01
